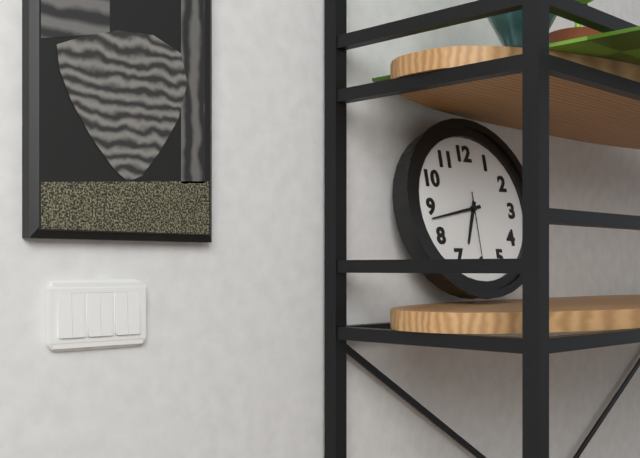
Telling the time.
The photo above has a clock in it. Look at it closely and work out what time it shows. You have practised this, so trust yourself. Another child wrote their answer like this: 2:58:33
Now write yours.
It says 6:43:30
